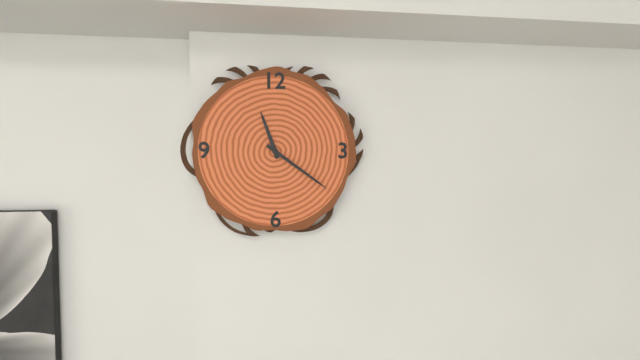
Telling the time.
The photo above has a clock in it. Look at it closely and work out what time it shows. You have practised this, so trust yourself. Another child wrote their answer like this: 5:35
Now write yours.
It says 11:21
